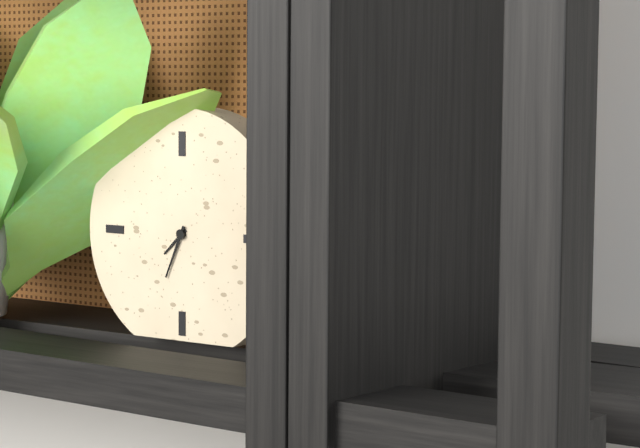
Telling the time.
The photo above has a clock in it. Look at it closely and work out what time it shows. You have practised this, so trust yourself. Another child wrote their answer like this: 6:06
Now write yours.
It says 7:34
